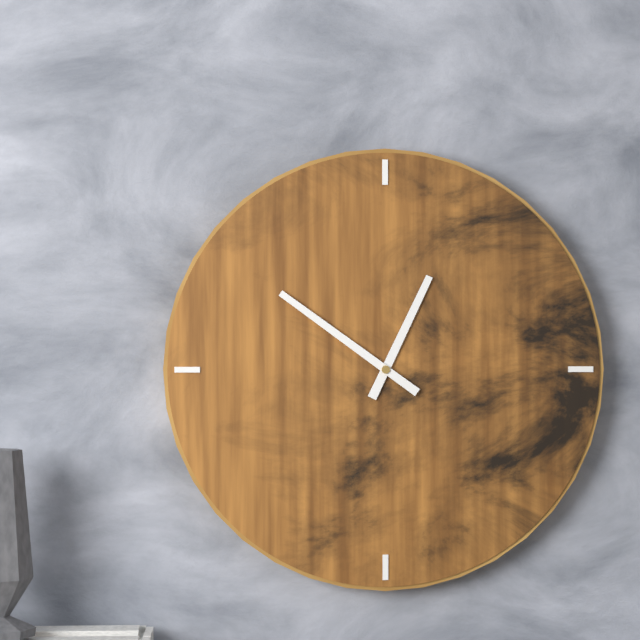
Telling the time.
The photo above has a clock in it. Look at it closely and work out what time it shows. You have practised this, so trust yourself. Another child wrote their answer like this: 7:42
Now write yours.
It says 12:51
